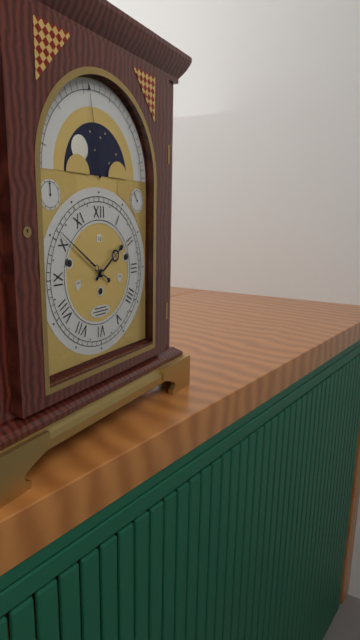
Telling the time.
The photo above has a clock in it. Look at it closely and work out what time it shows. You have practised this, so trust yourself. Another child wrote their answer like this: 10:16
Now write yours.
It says 1:51
